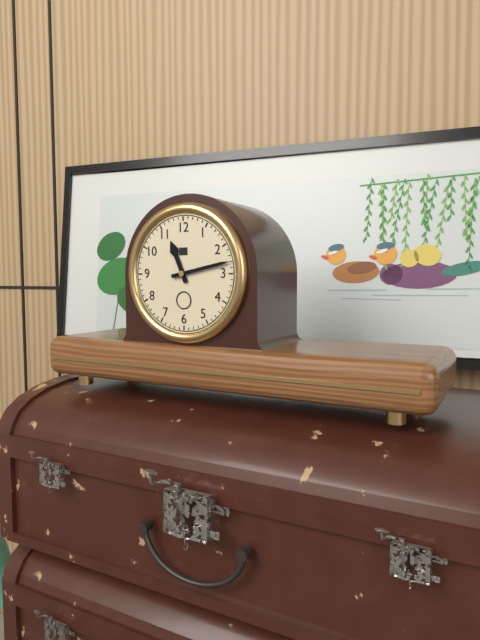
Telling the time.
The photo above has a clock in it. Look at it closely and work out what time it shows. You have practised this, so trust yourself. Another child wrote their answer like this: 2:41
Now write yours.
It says 11:13
